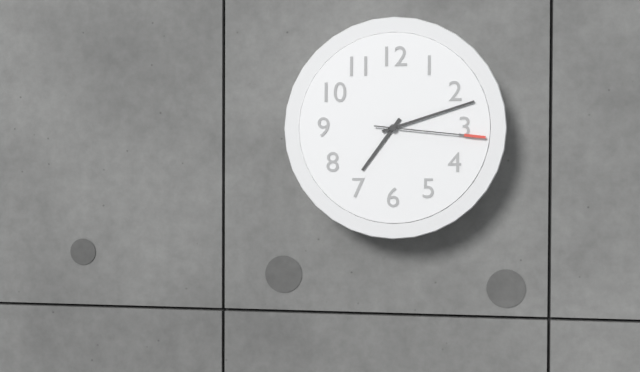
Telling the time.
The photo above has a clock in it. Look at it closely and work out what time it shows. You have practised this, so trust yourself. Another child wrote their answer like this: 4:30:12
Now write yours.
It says 7:12:16
